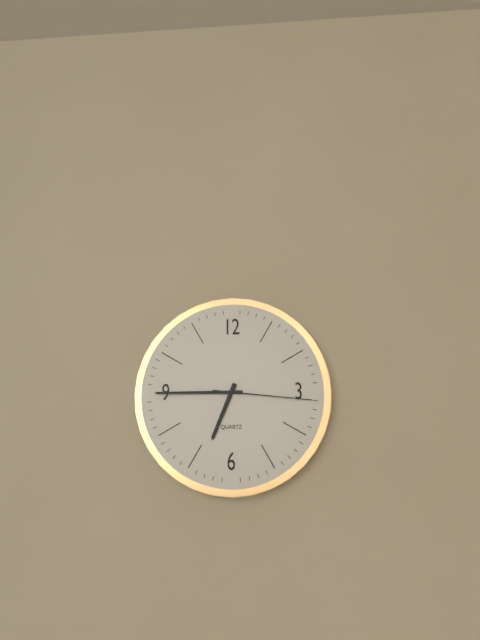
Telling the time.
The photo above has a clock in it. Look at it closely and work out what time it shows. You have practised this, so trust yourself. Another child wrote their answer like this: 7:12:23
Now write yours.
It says 6:45:16
